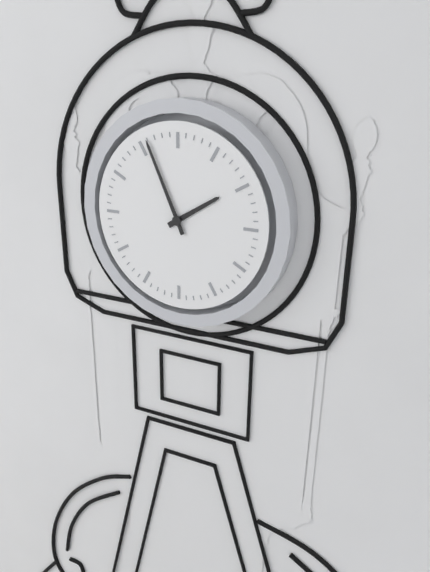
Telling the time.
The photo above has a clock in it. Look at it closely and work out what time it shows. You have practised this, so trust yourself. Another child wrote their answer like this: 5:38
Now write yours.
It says 1:56
